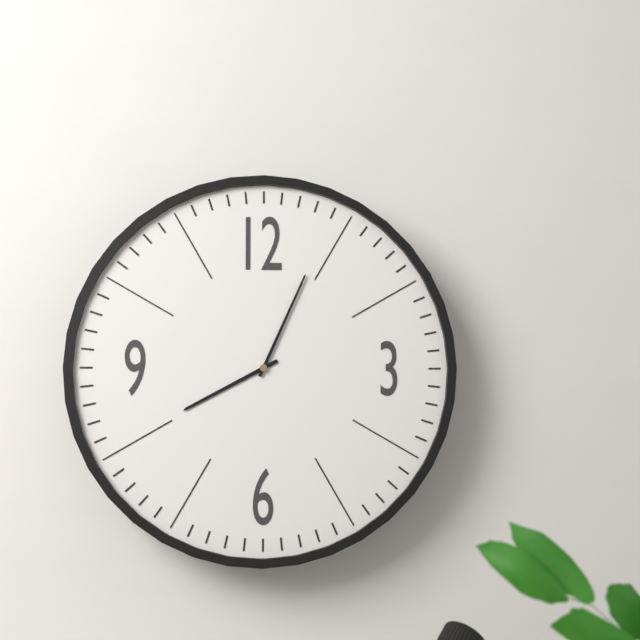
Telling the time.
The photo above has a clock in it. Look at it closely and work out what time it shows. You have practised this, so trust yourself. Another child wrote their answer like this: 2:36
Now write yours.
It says 8:04
